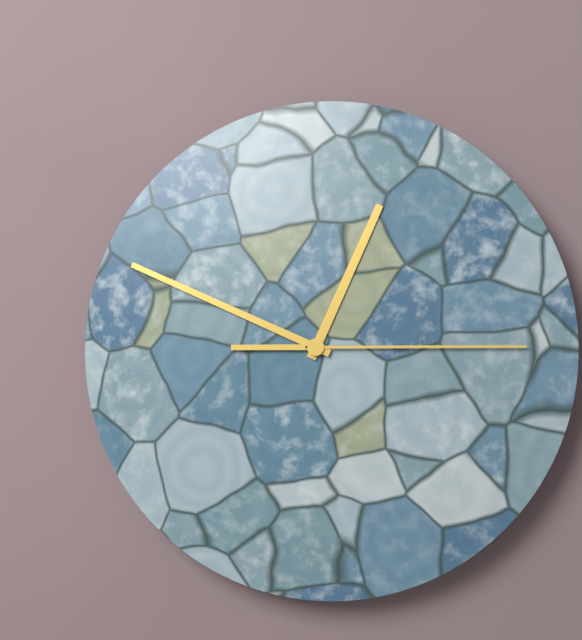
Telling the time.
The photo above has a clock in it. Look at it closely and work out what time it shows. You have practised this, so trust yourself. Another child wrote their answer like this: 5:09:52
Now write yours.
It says 12:49:15
